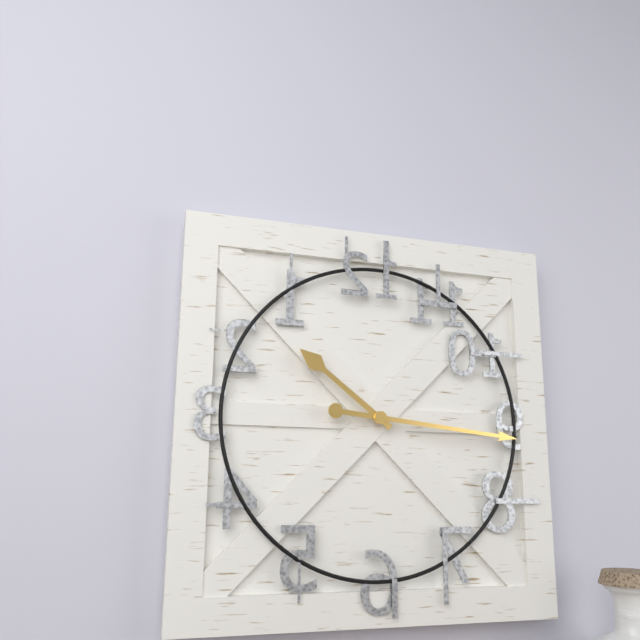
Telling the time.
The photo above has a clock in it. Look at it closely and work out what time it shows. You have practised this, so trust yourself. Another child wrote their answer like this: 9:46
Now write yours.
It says 10:16
